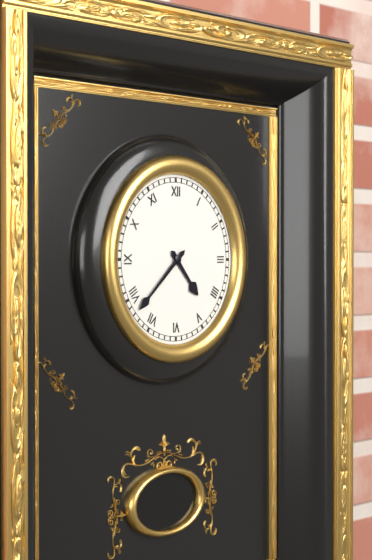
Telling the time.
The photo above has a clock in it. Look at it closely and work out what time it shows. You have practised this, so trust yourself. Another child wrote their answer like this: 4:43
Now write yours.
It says 4:38
